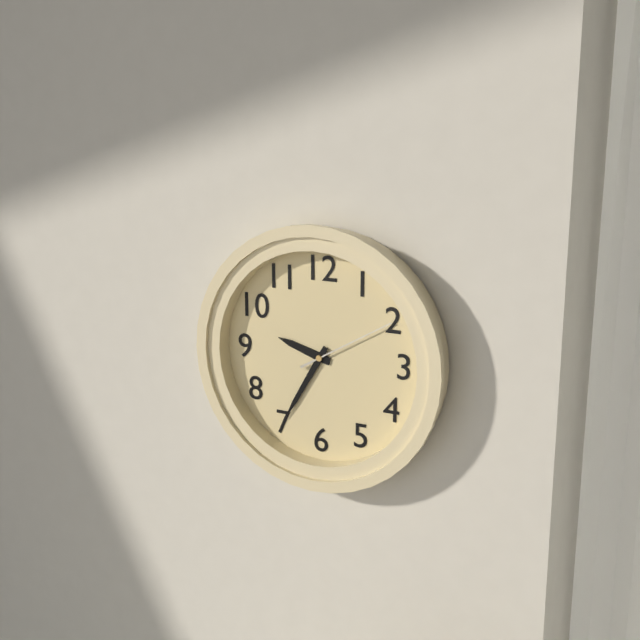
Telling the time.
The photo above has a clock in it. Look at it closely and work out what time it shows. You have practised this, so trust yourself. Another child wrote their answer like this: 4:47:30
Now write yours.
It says 9:35:10
